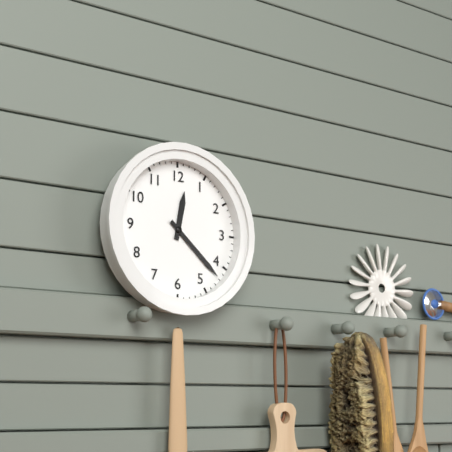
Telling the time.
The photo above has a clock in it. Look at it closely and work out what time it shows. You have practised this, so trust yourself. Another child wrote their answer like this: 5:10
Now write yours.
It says 12:22
